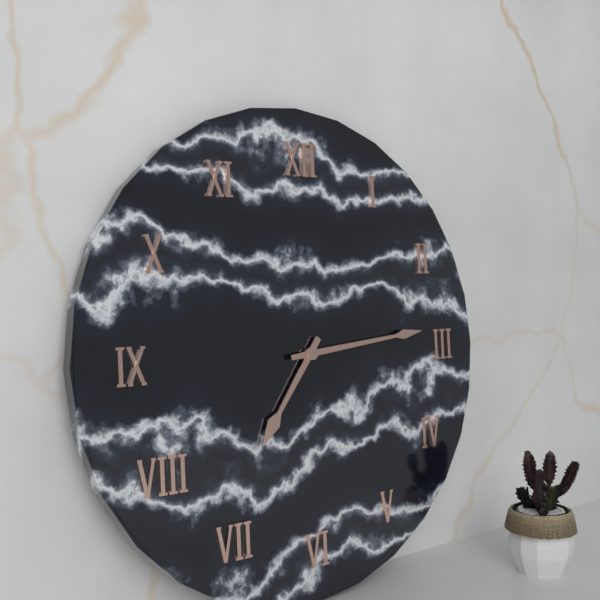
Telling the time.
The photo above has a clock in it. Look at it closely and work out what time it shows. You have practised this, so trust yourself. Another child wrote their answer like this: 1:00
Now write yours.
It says 7:14
